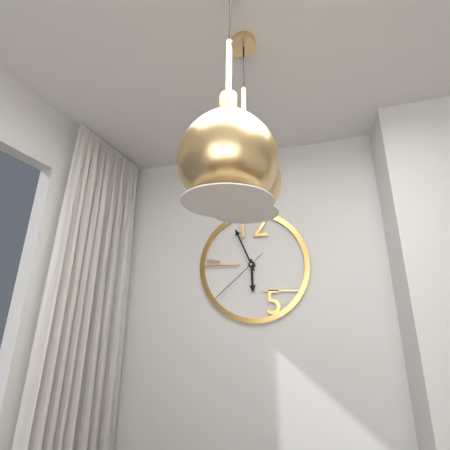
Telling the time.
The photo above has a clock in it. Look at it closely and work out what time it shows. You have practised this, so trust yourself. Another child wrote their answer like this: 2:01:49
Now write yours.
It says 5:56:38
